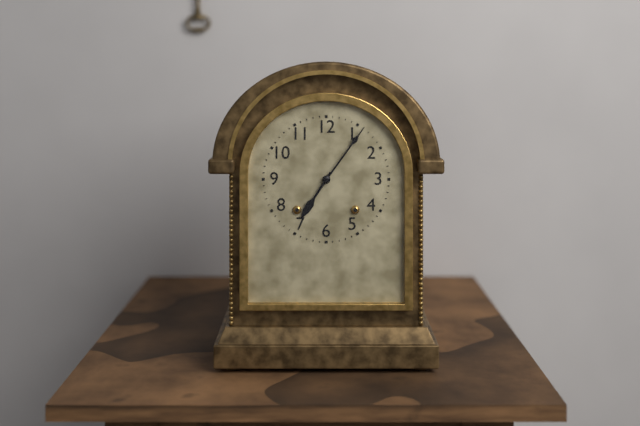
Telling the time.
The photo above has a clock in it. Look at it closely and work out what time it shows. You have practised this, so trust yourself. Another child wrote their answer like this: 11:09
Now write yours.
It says 7:06
